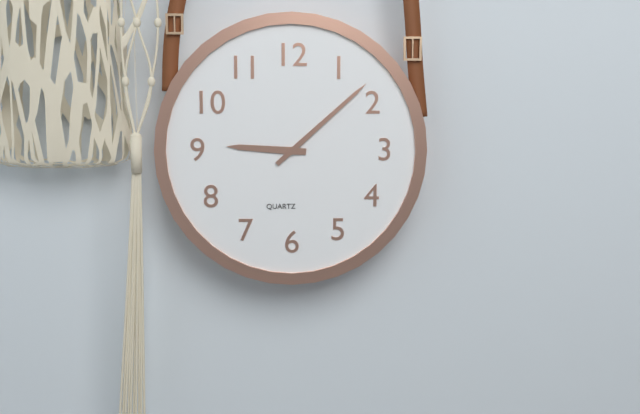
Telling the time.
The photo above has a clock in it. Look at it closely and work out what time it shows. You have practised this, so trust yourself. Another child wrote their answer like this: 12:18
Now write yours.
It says 9:08
